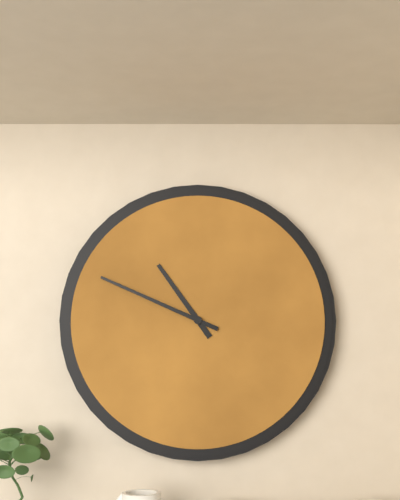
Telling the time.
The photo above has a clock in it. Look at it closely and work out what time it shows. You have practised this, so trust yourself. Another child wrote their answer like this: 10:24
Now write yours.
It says 10:49
